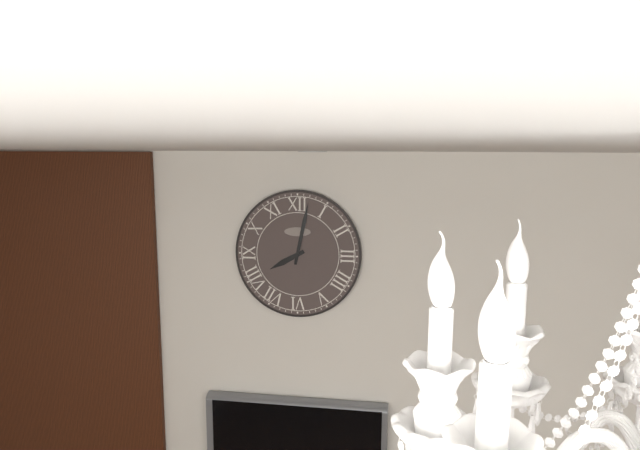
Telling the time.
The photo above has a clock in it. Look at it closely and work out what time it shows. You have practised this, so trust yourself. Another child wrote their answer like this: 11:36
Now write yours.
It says 8:02
